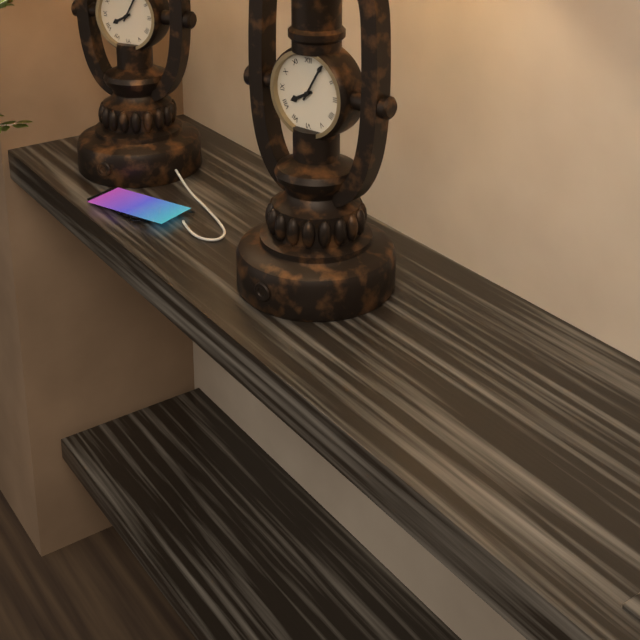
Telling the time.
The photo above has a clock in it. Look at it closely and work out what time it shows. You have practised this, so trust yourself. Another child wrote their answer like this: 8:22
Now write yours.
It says 8:05
